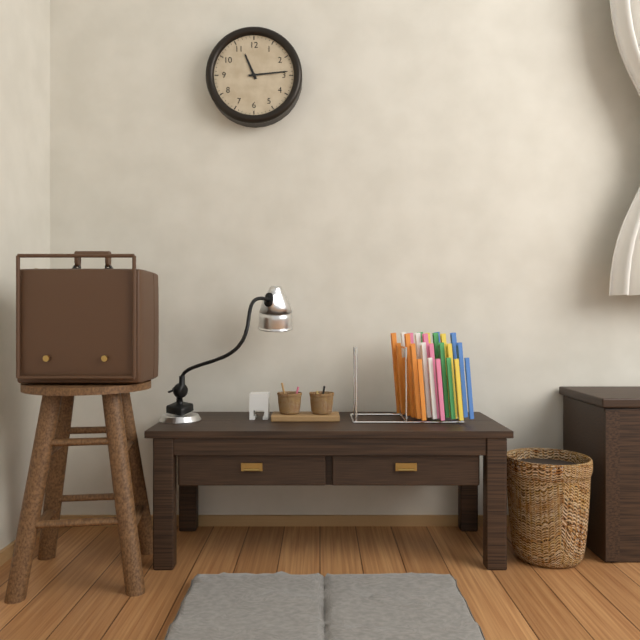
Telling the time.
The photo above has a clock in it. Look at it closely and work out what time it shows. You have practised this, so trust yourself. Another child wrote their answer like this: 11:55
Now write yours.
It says 11:14
